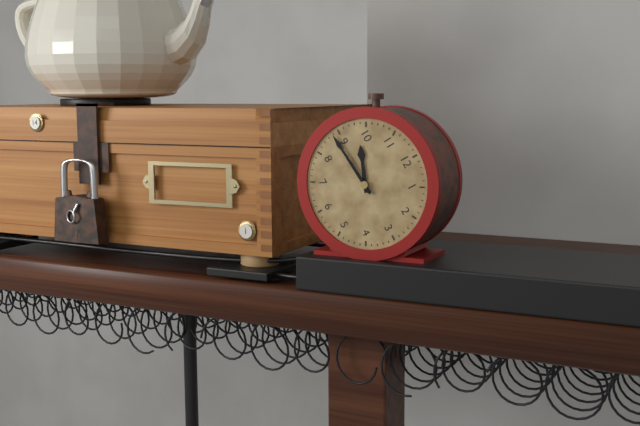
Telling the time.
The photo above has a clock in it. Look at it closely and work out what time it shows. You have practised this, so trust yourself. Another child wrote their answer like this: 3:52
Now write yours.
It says 9:44
